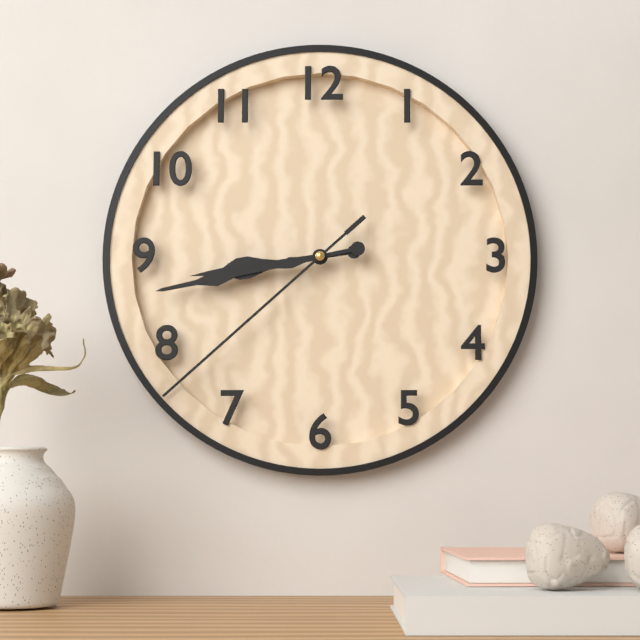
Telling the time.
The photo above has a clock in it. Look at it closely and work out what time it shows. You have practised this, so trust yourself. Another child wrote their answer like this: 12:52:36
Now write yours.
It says 8:43:38
